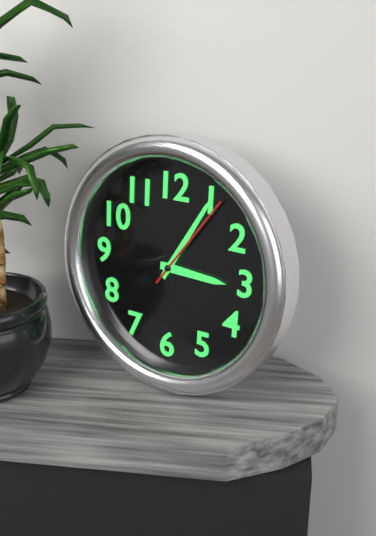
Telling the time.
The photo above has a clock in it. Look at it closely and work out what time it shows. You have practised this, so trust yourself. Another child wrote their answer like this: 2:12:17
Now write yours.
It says 3:05:06
